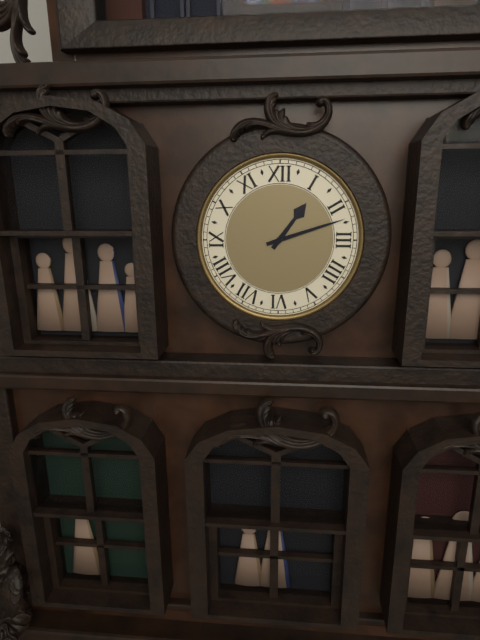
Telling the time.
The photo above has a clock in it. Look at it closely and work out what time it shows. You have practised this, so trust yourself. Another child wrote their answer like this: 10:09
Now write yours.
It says 1:12
